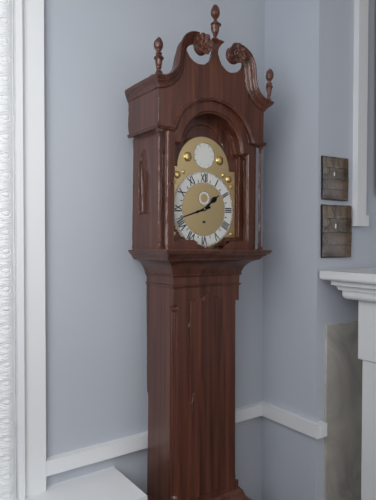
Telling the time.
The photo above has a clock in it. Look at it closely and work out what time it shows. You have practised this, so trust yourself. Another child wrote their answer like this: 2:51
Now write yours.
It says 1:42
